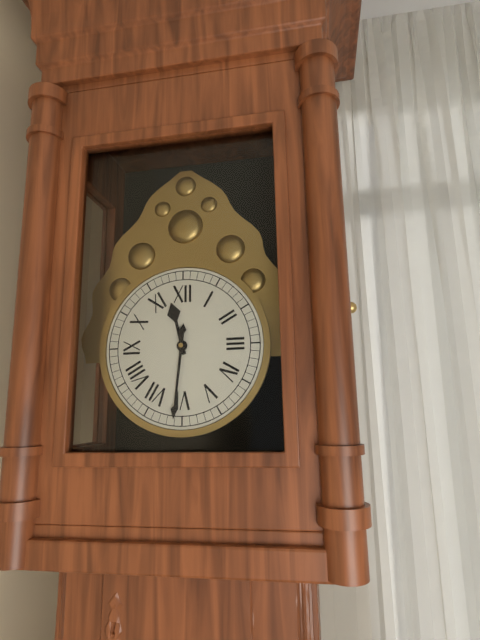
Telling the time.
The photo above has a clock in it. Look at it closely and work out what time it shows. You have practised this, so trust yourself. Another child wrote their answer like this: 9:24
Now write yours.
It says 11:31
